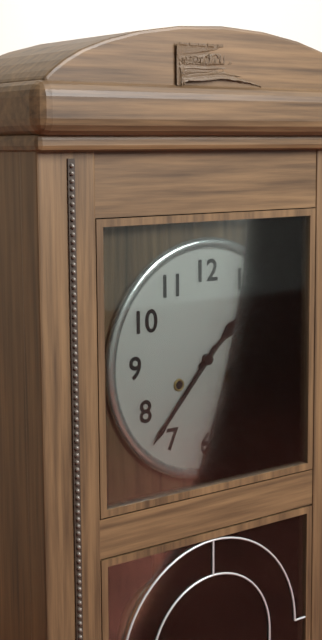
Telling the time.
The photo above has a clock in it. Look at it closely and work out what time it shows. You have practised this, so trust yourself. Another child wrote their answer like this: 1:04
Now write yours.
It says 1:37
